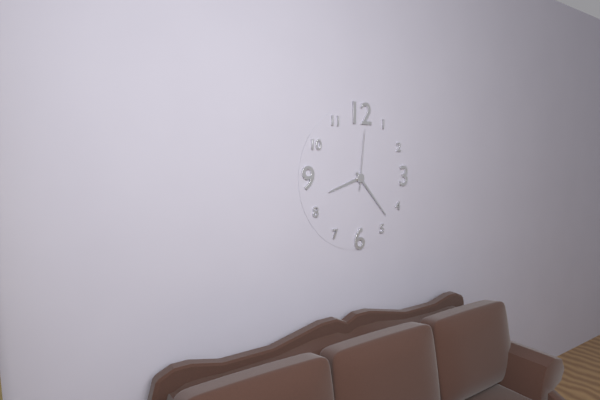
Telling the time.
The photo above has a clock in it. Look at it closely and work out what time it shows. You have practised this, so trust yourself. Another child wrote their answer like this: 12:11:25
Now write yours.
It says 8:23:01
